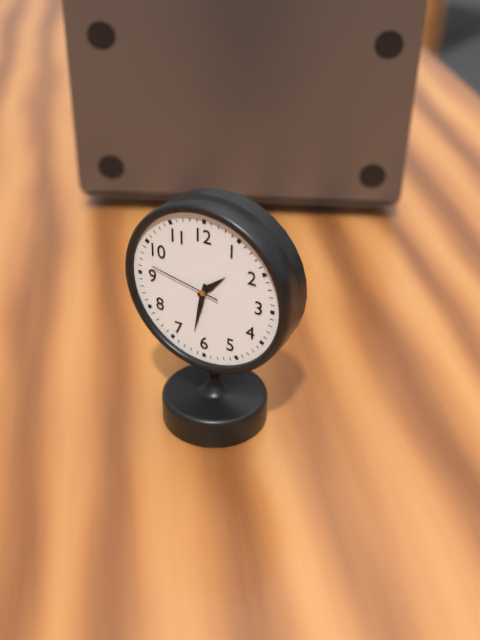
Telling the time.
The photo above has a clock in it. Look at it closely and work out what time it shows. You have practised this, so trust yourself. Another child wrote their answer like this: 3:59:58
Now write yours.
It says 1:32:47
